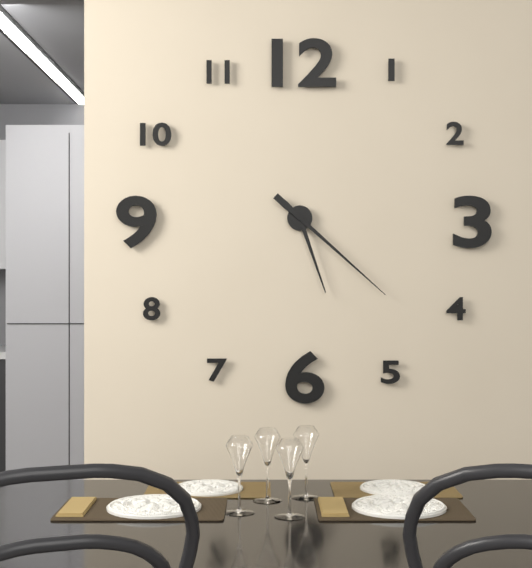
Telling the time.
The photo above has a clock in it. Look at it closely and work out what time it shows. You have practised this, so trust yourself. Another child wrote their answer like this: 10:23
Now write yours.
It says 5:22
